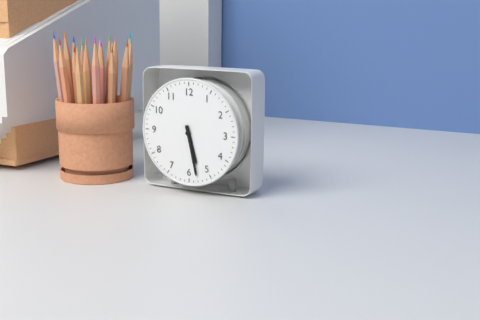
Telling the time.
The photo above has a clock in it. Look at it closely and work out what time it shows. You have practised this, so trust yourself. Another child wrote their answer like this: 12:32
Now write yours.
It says 5:28
